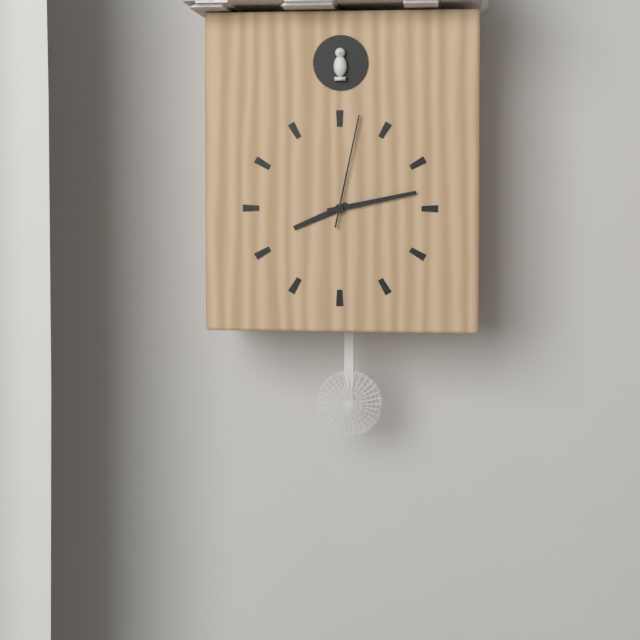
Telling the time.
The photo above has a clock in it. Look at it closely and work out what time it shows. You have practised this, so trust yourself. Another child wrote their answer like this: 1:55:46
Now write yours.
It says 8:13:02
